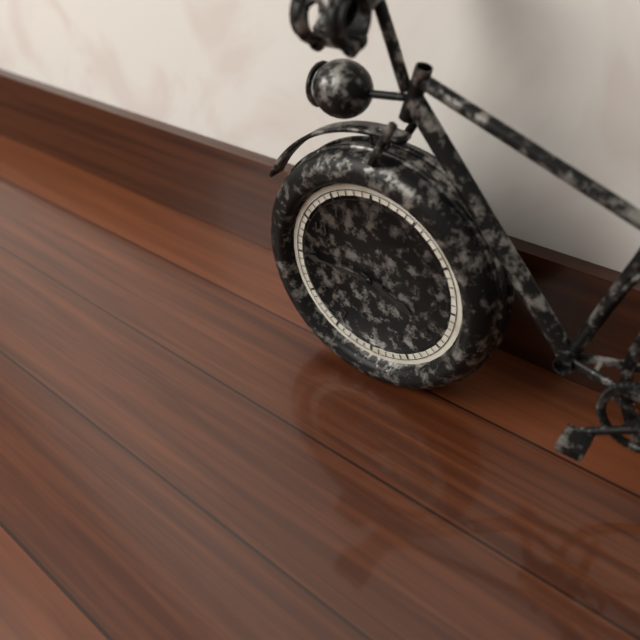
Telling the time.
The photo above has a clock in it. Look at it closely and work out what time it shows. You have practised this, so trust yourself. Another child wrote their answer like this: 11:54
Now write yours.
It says 3:45
